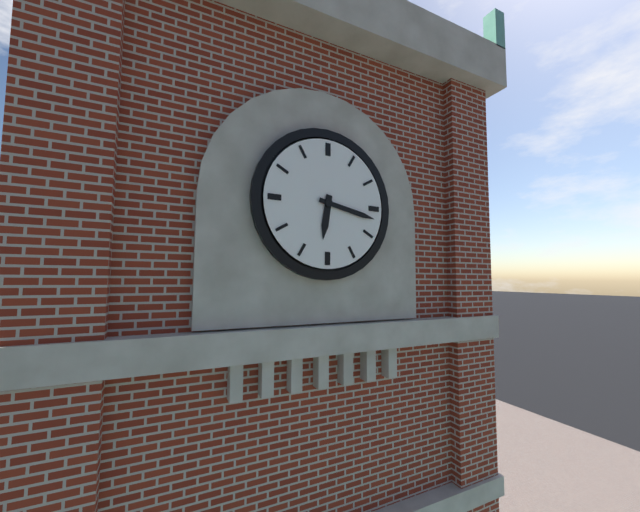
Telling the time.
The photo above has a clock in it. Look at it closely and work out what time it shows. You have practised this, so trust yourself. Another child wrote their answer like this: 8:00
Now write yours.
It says 6:17
